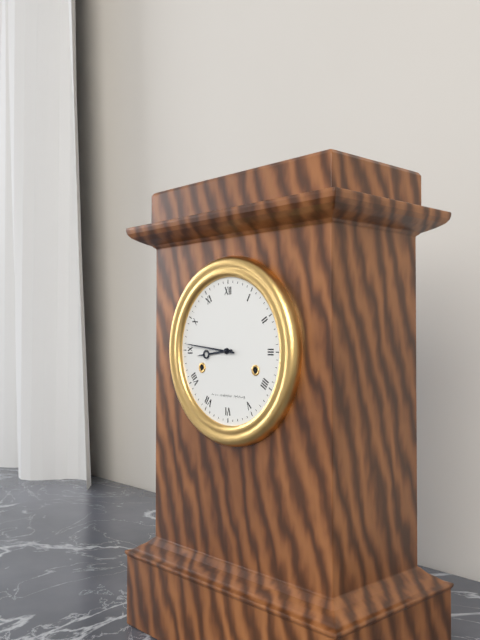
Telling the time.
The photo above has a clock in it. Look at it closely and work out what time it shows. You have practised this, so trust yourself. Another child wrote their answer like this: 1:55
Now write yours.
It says 8:46
